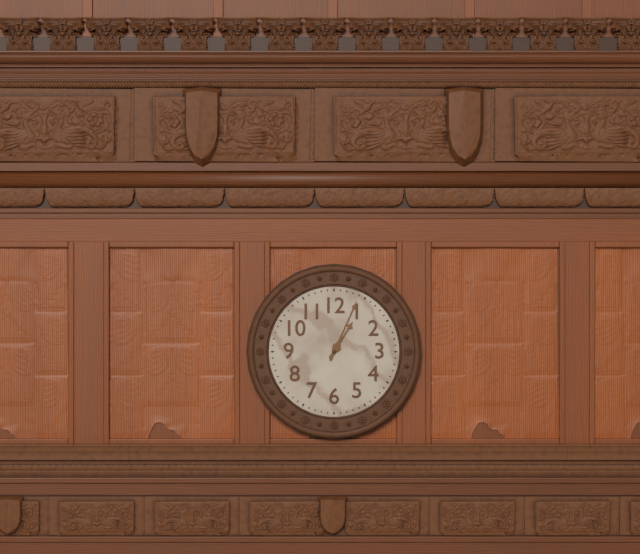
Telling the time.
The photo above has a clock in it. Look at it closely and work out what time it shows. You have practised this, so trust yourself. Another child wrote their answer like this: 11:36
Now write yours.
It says 1:04
